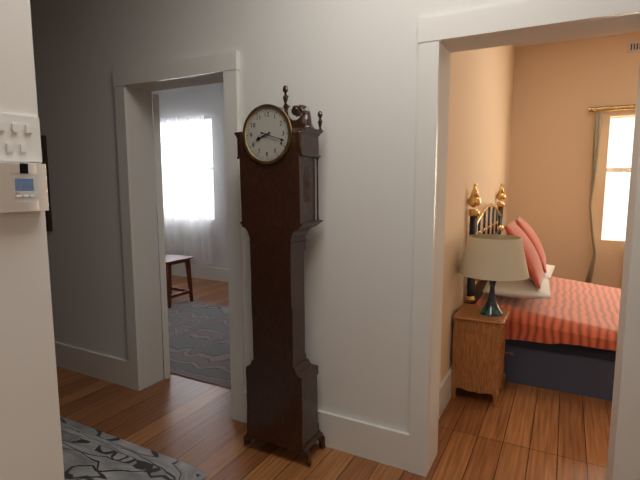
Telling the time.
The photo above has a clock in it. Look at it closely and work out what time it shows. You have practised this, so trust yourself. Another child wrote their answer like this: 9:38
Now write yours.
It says 8:18
